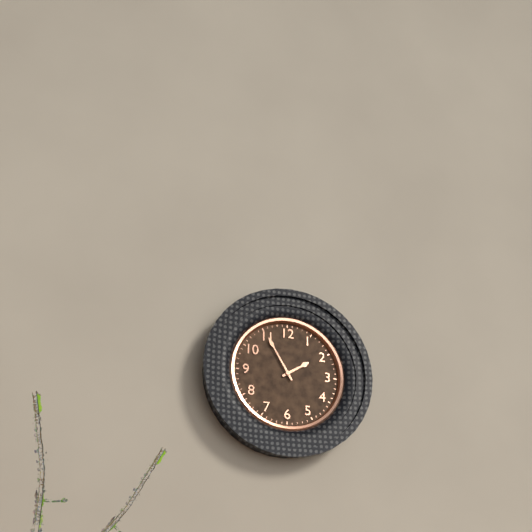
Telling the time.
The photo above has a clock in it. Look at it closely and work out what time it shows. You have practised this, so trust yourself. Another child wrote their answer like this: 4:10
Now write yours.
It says 1:55
